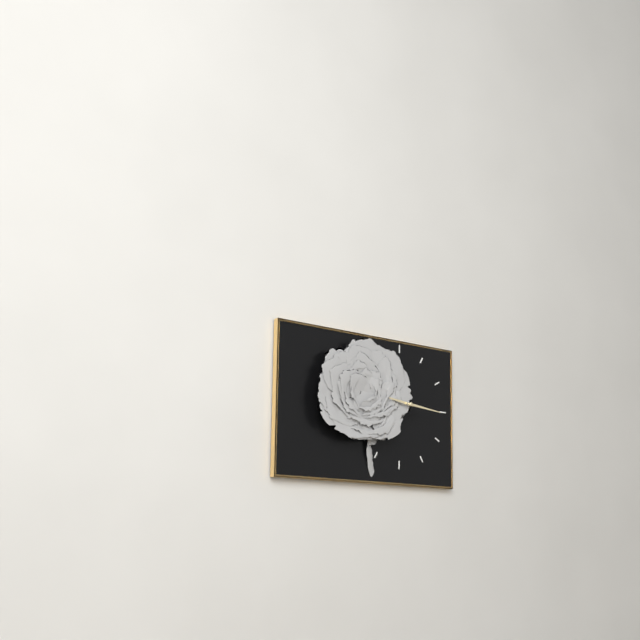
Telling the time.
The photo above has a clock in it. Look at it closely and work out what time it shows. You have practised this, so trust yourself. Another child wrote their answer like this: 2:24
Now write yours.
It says 9:16
